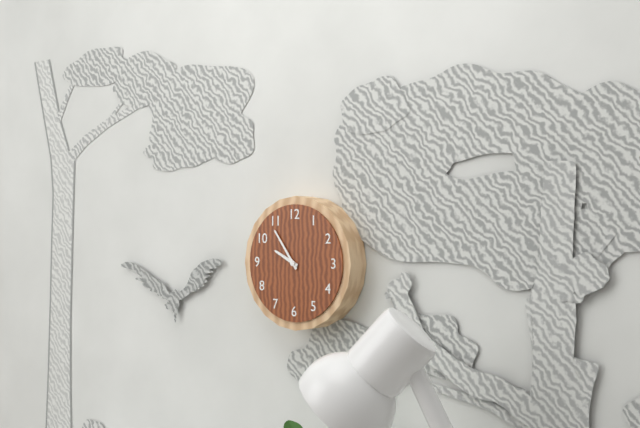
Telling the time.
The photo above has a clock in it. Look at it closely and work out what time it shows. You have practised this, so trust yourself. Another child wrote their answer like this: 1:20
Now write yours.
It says 9:54
